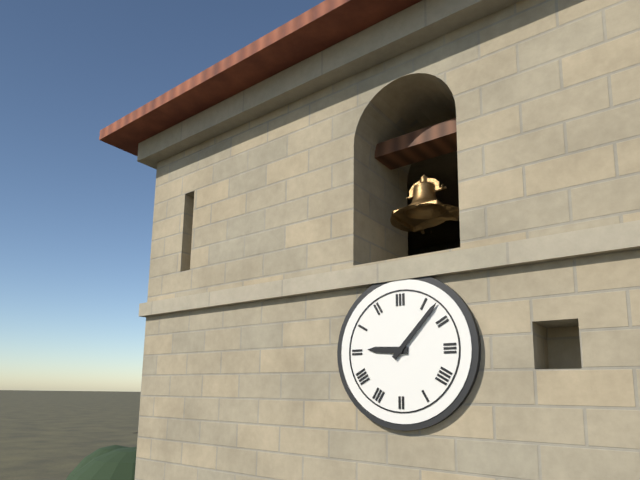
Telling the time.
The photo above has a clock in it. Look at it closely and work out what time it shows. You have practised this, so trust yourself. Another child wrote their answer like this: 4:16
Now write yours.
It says 9:07
